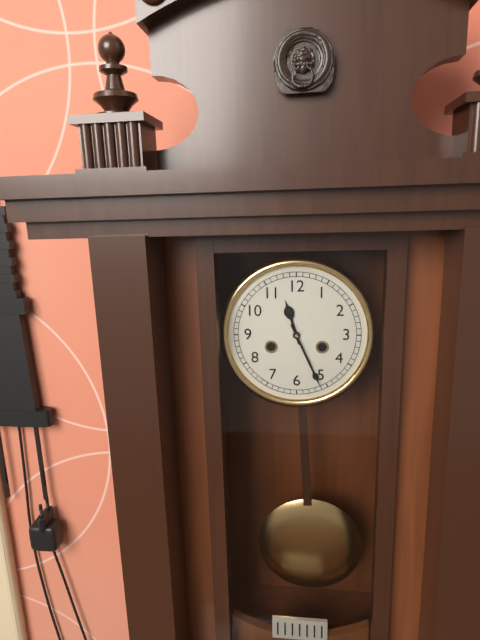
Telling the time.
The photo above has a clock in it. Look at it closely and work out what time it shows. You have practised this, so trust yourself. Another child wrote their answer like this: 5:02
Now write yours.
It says 11:26
